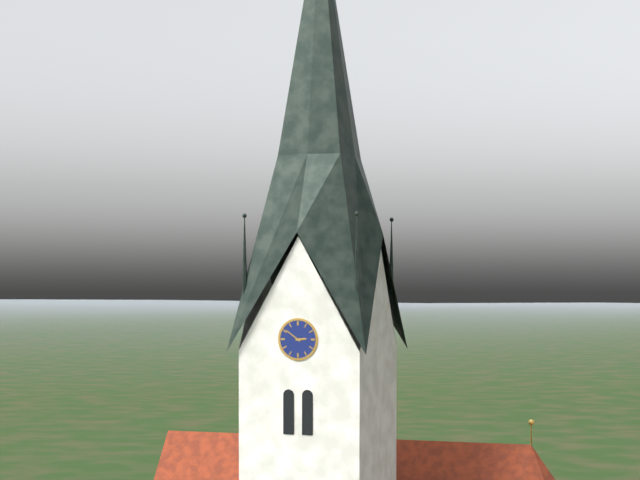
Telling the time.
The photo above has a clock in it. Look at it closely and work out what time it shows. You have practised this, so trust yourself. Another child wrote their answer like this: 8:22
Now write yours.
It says 2:51
